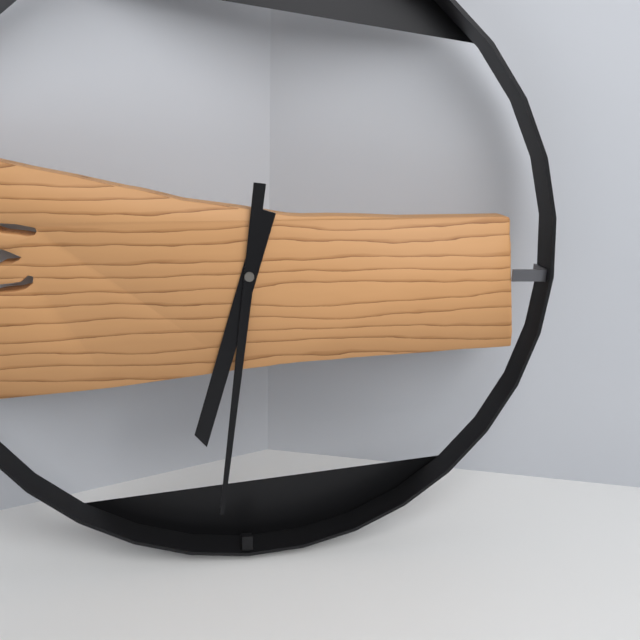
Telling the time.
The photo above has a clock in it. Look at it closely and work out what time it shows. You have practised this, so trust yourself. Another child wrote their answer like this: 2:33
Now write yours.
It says 6:31
